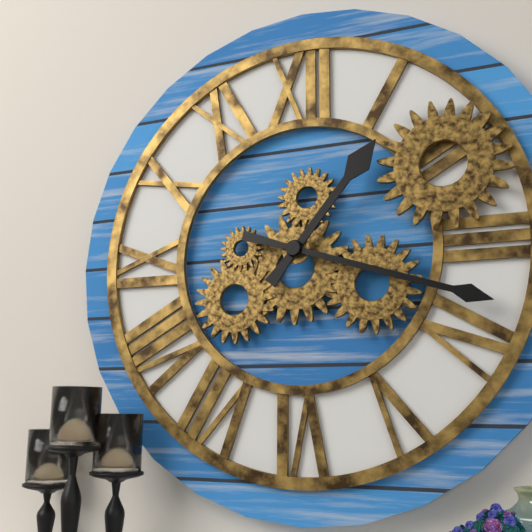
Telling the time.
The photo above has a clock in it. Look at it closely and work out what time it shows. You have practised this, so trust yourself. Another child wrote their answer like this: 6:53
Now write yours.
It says 1:18
